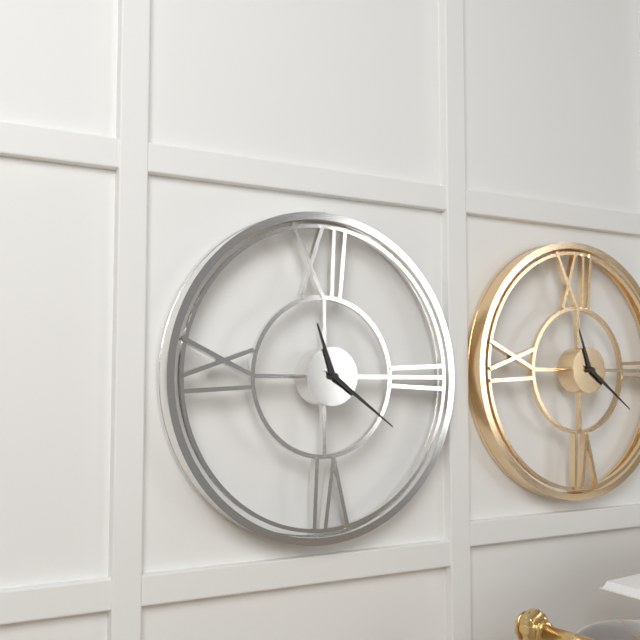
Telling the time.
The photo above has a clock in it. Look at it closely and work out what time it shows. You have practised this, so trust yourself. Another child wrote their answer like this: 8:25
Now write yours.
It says 11:21
